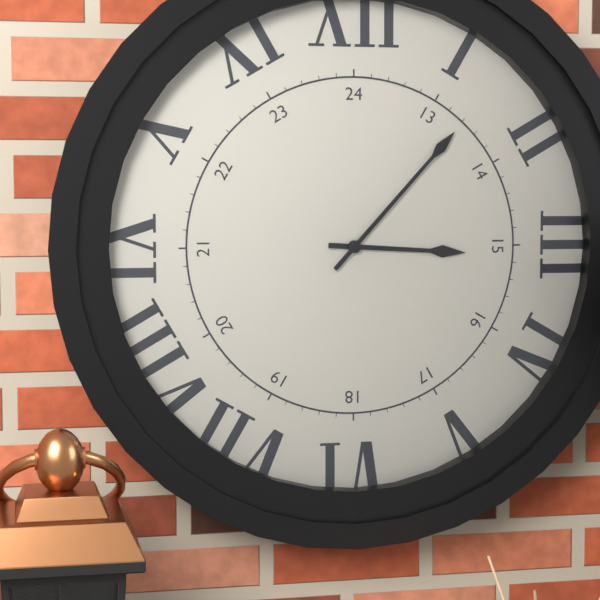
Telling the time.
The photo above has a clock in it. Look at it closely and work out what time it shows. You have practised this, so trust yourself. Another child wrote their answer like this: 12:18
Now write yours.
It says 3:07
